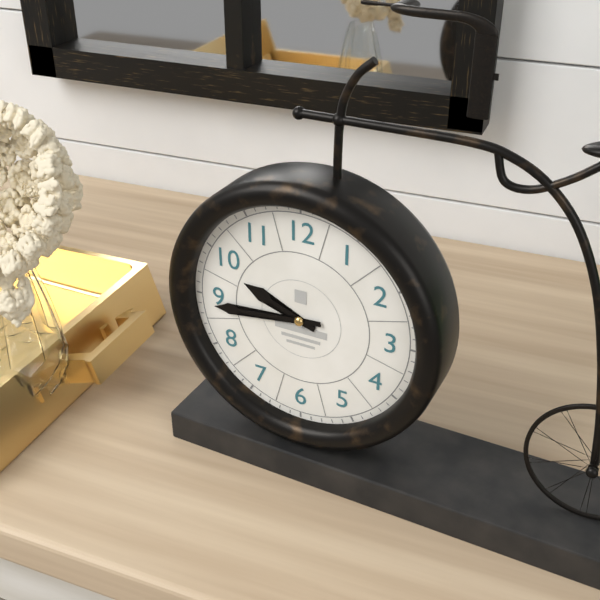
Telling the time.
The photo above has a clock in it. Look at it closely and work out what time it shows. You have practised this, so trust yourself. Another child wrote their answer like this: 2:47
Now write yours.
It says 9:44
